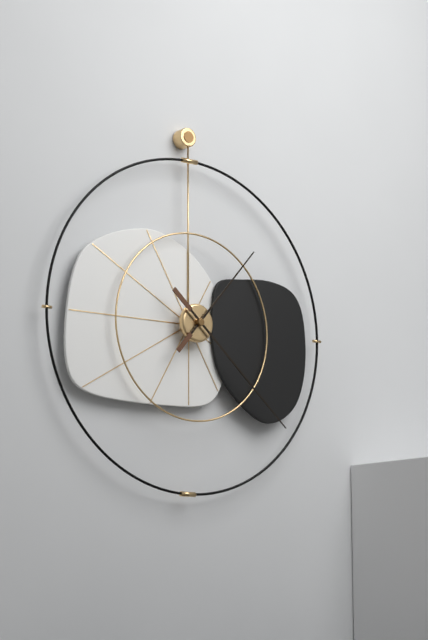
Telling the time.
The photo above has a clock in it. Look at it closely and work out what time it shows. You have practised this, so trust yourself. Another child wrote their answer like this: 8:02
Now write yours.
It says 1:22
